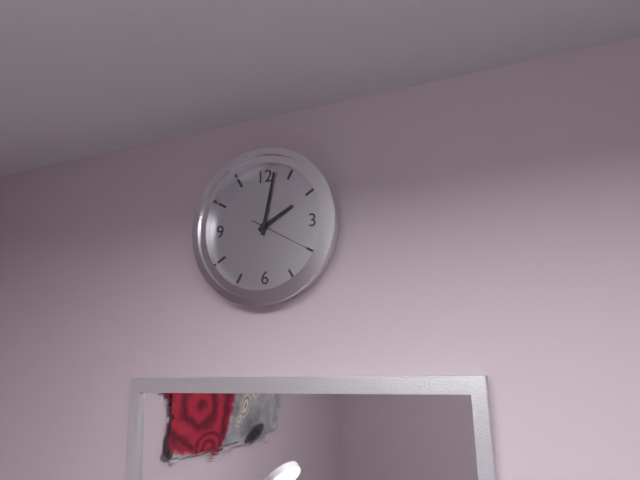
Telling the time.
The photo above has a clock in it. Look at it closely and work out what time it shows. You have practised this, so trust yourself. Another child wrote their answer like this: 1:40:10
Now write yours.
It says 2:02:20
